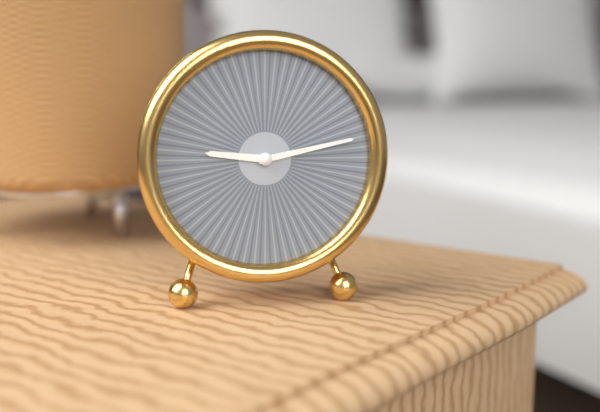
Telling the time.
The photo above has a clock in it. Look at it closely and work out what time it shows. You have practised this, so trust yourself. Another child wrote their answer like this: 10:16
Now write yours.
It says 9:13
